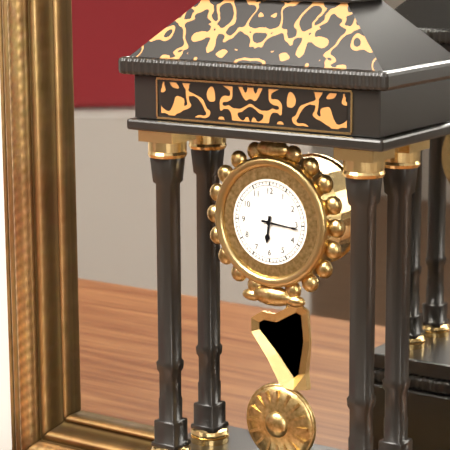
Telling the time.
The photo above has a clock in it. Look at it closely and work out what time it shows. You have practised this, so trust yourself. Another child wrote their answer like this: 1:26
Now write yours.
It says 6:16
